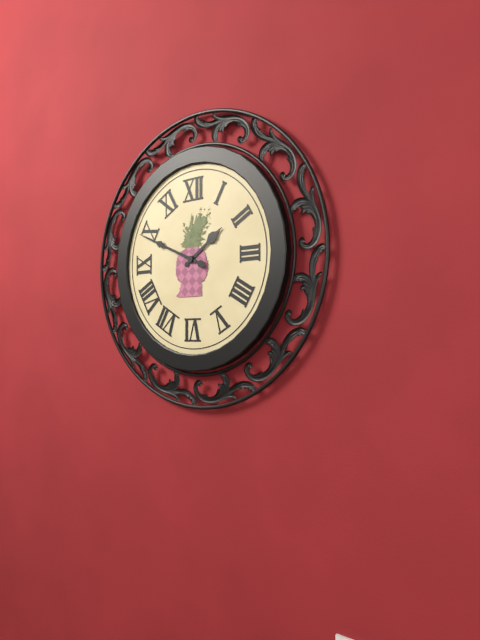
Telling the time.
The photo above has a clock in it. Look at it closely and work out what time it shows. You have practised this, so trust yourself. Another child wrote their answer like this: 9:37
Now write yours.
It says 1:49
